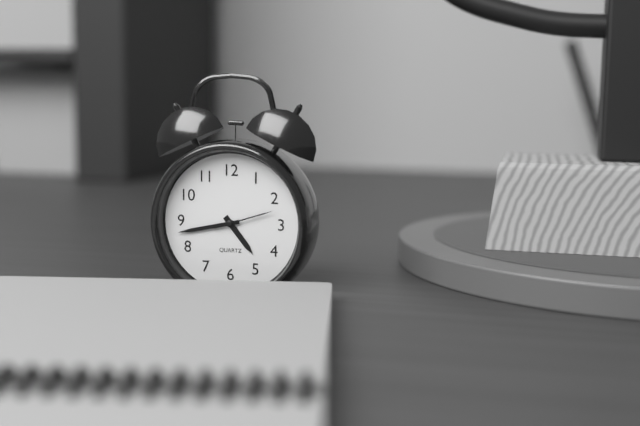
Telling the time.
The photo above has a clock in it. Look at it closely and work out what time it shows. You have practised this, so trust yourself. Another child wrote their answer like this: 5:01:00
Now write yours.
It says 4:43:12
